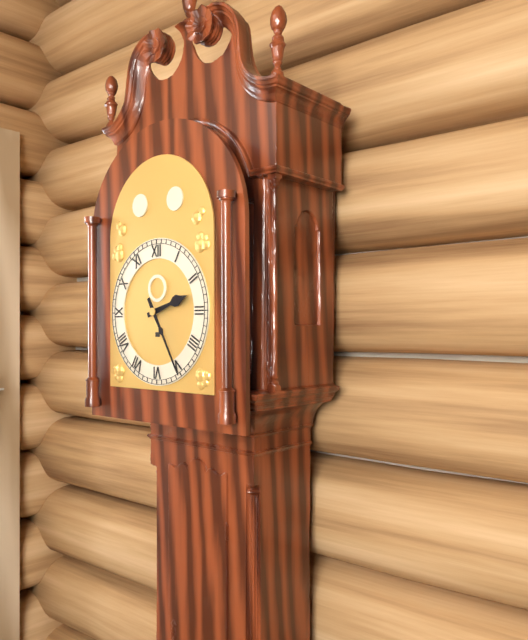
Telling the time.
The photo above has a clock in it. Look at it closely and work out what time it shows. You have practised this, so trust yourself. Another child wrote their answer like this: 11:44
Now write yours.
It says 2:25
